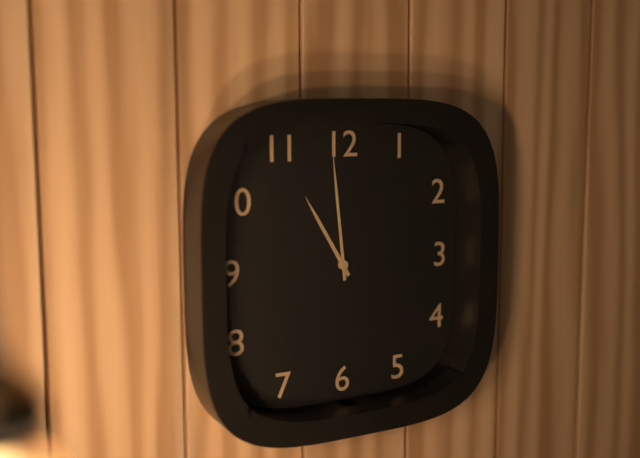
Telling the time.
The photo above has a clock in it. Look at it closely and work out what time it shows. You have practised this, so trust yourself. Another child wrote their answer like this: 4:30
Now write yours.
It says 10:59
